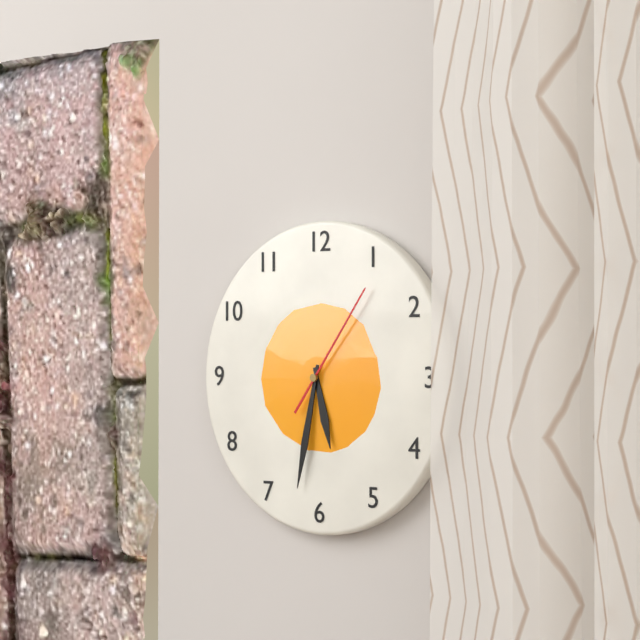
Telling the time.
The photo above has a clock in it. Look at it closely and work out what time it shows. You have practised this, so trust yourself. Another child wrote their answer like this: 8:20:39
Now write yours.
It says 5:32:06
